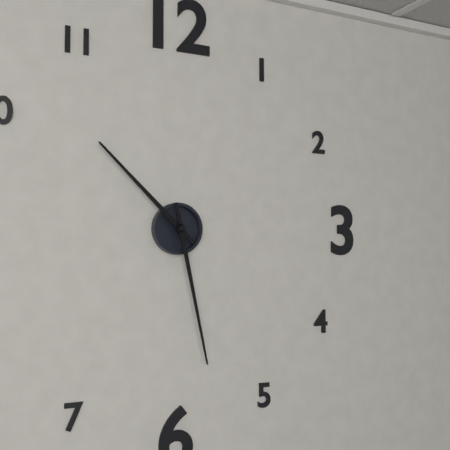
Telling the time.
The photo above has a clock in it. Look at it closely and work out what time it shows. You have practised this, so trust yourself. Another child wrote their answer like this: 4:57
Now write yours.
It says 10:28
